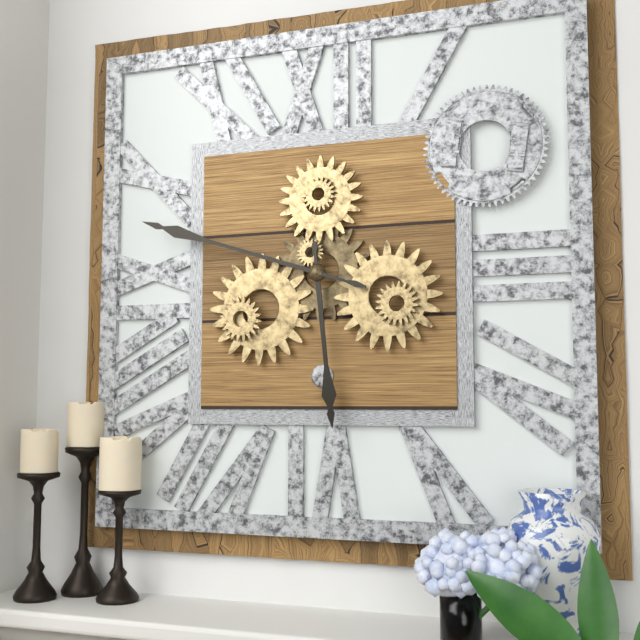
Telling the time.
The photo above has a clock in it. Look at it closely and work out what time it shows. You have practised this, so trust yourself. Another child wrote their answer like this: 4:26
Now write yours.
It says 5:48
